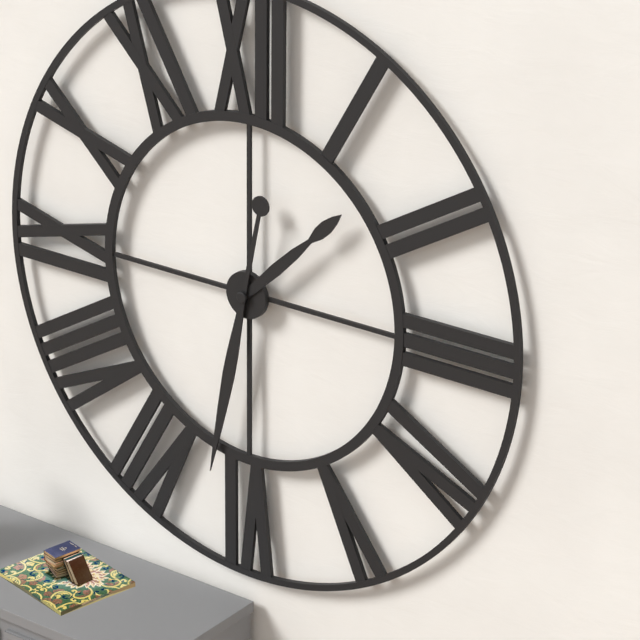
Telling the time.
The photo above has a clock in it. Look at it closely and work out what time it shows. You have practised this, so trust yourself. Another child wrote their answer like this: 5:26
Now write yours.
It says 1:32
